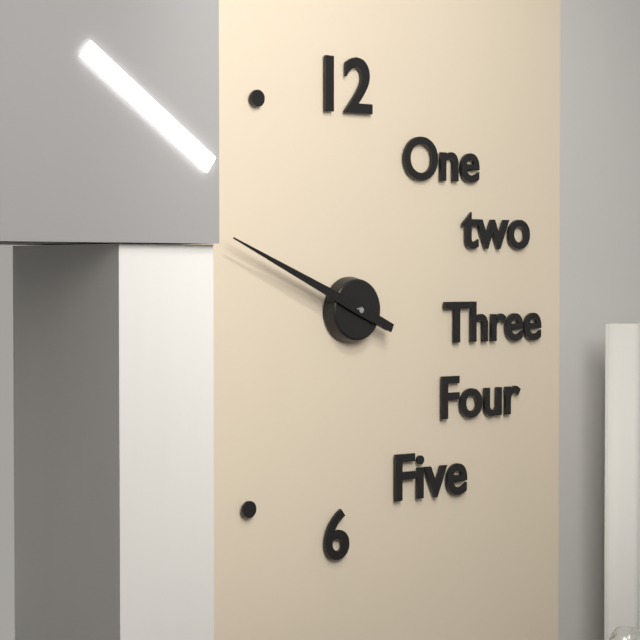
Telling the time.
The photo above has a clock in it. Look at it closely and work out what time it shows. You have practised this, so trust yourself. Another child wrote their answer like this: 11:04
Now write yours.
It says 9:49
